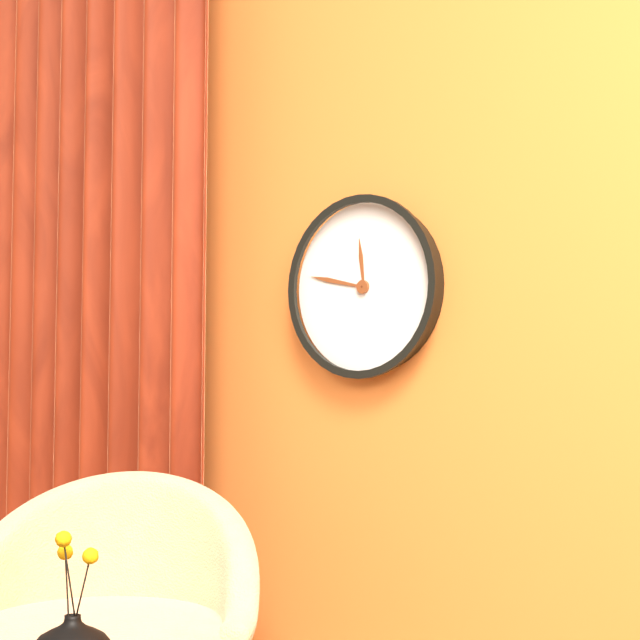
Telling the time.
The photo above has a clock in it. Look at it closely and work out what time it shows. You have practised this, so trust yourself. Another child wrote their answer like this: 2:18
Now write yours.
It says 11:47
